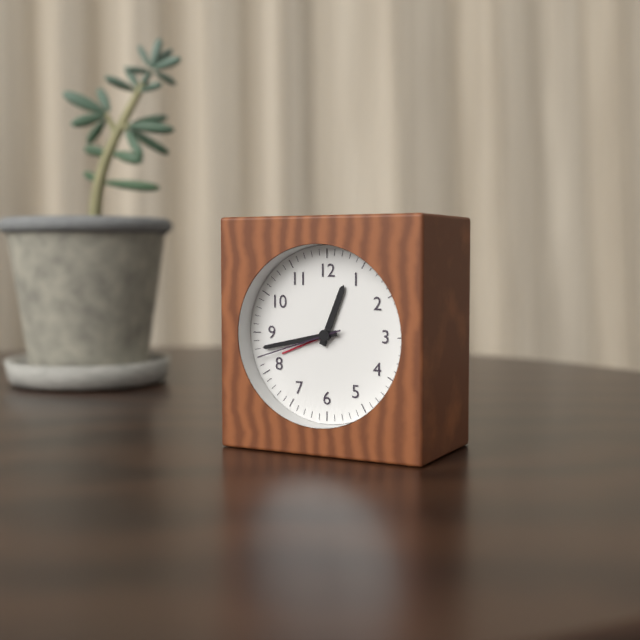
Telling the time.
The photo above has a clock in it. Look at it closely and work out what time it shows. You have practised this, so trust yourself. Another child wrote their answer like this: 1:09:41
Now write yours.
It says 12:43:42
